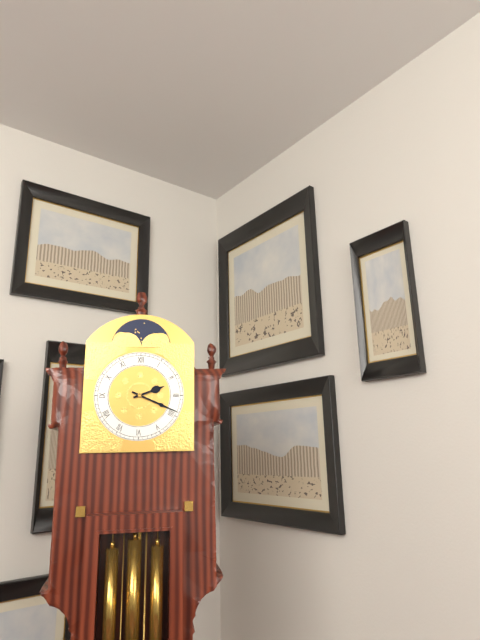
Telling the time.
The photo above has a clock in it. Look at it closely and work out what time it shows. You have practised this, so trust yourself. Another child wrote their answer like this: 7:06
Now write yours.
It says 2:19
